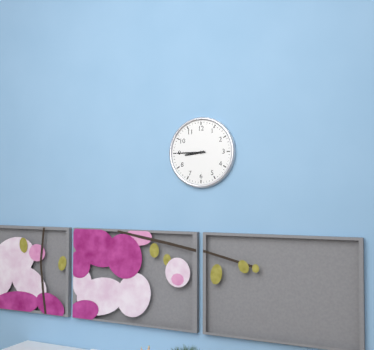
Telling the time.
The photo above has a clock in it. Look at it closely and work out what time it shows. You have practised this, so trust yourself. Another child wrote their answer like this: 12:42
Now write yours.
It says 8:45
